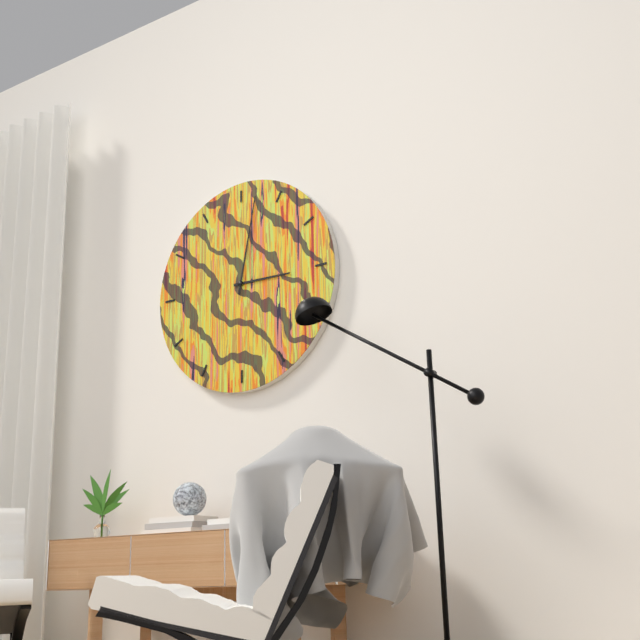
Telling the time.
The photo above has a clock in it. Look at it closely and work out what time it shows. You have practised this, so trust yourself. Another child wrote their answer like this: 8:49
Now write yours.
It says 3:02
